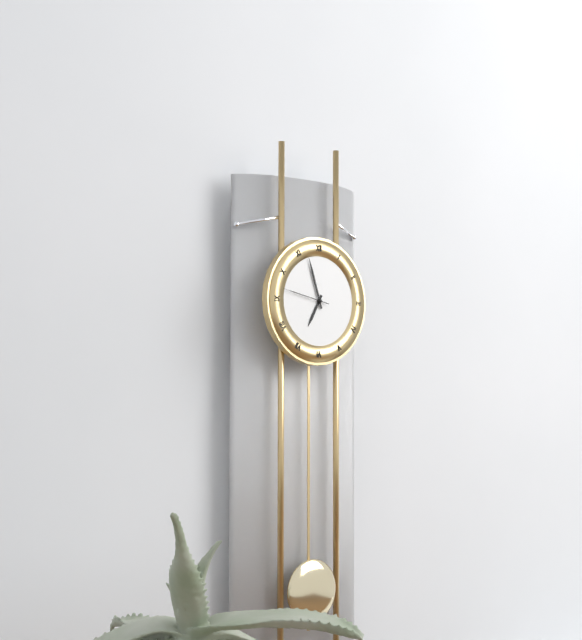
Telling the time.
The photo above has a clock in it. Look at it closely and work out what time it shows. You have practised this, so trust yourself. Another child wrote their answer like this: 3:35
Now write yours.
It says 6:57
